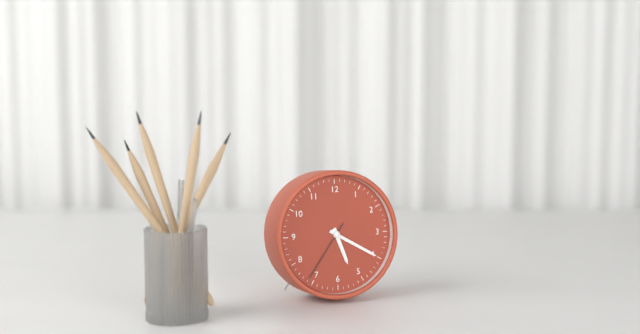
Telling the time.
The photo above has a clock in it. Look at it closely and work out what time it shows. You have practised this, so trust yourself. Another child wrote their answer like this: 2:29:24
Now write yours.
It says 5:20:36
